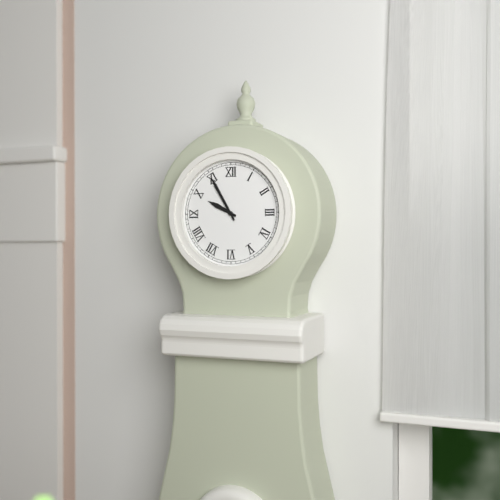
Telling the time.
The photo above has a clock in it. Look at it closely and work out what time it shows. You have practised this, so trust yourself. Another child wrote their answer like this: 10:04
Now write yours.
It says 9:55
